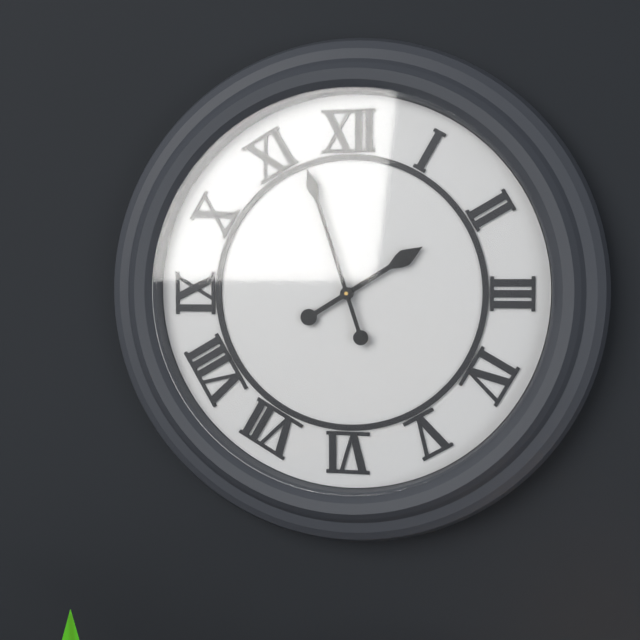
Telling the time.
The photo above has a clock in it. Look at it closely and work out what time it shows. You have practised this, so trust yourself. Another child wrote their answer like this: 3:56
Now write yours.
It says 1:57
